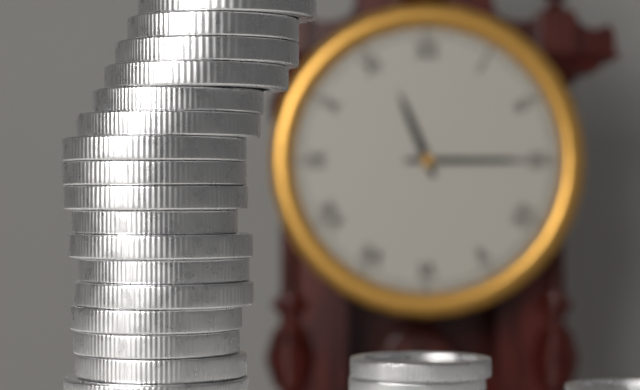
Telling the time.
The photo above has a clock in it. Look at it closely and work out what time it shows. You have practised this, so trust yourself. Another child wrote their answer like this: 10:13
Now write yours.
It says 11:15
